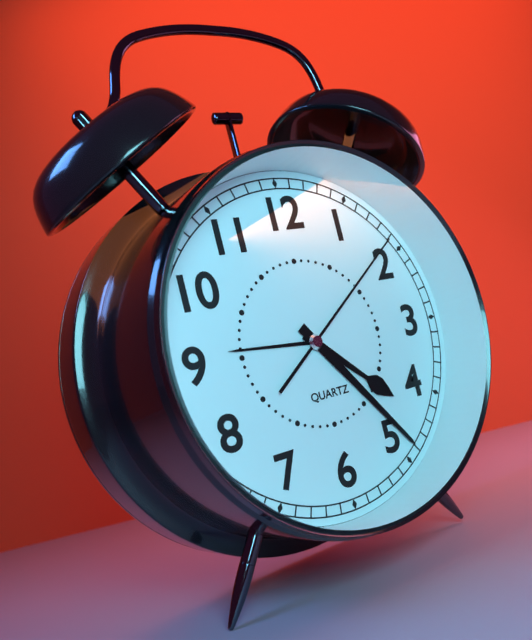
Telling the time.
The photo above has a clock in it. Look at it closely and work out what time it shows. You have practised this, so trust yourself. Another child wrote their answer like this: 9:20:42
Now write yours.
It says 4:24:09
